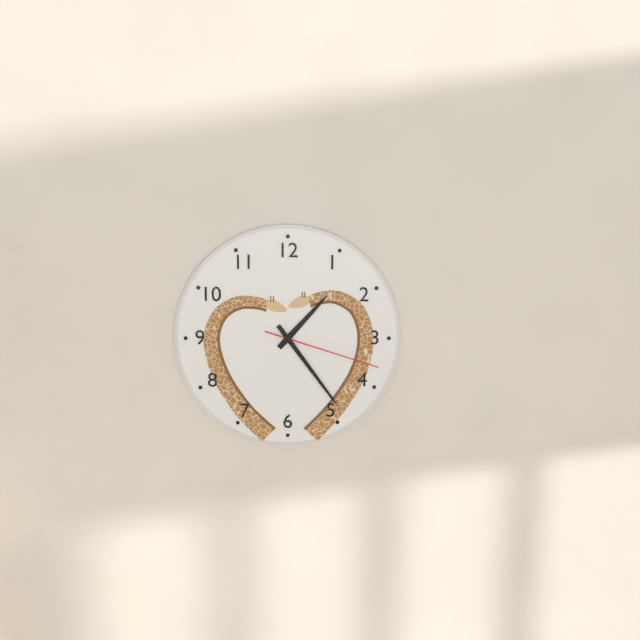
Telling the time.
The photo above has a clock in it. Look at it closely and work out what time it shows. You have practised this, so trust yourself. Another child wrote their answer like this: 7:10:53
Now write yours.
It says 1:24:18
